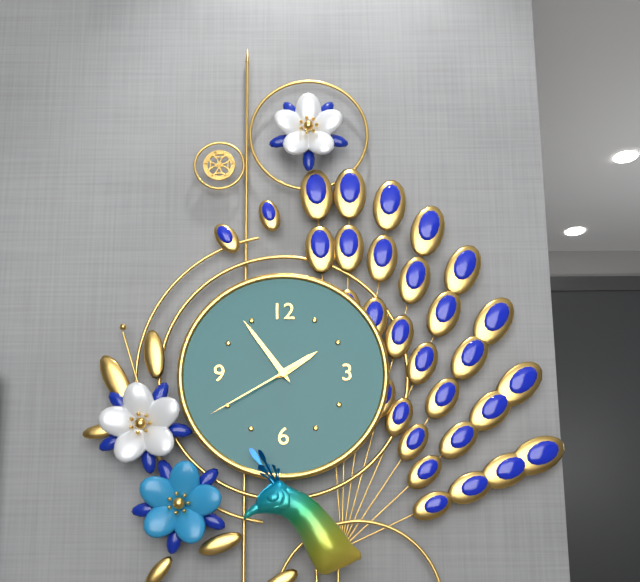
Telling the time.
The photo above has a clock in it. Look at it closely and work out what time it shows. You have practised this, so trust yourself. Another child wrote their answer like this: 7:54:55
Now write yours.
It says 1:54:40
